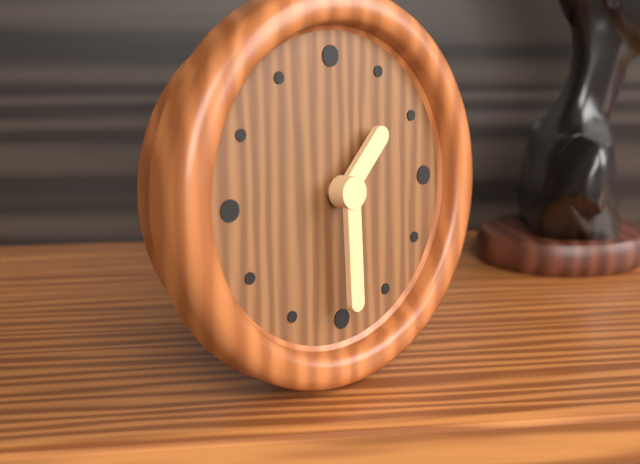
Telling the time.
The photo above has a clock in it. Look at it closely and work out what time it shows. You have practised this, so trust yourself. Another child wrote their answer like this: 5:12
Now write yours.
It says 1:30
